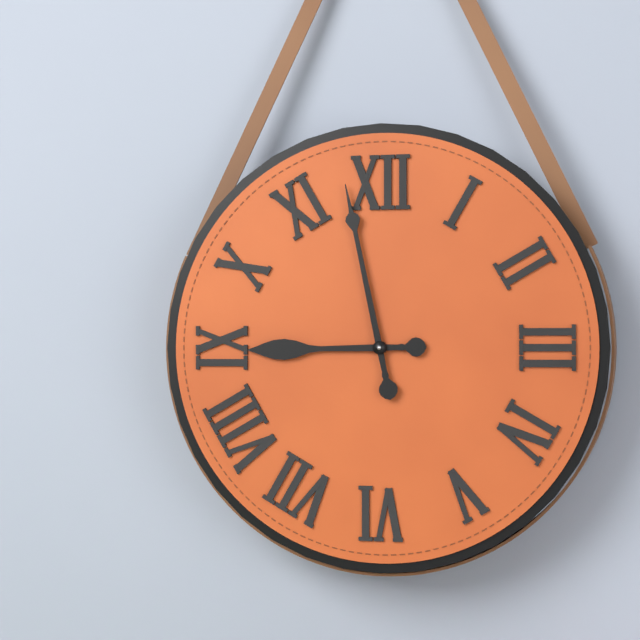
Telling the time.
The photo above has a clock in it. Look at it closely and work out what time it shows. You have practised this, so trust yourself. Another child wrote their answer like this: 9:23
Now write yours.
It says 8:58
